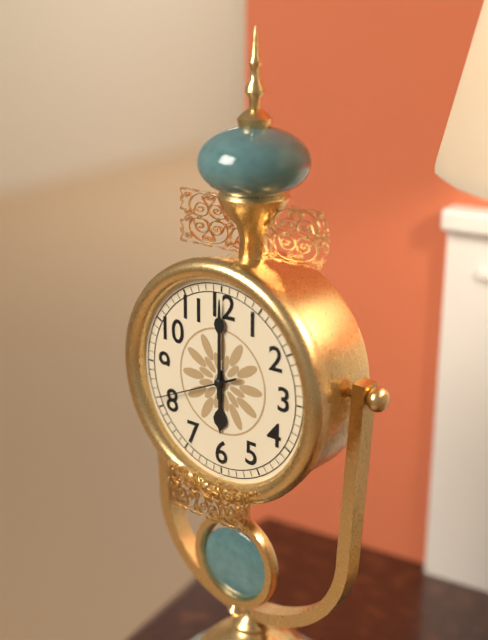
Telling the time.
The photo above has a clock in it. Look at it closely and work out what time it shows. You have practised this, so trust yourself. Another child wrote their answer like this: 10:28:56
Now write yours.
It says 6:00:41
